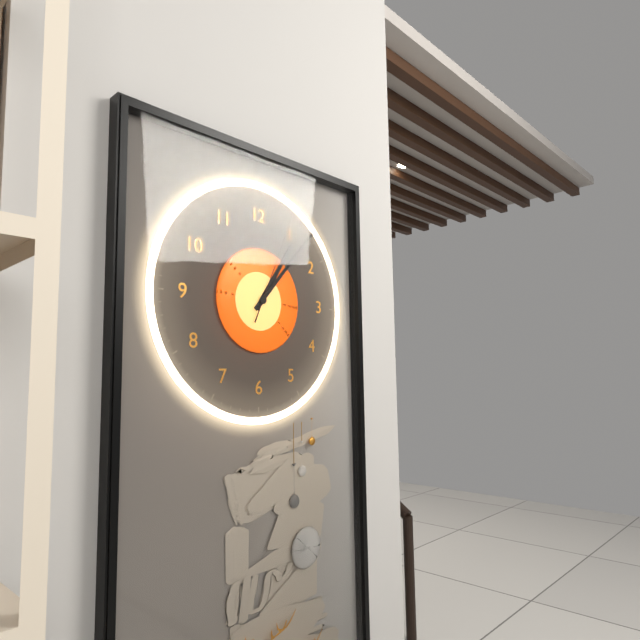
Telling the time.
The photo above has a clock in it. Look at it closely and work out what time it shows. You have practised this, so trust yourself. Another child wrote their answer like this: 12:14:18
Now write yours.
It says 1:07:04
